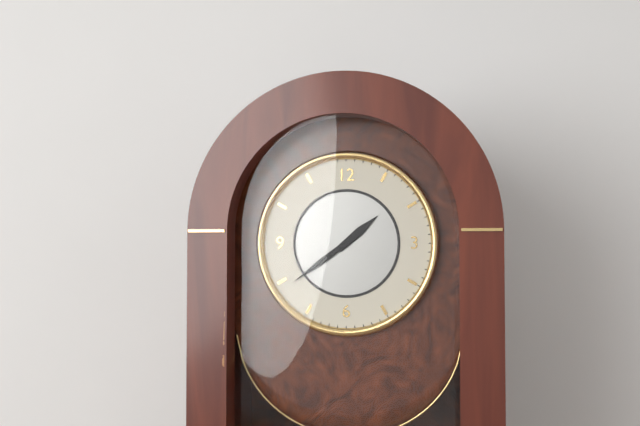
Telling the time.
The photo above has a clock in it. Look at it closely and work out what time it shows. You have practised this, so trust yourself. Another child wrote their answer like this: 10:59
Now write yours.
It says 1:39
